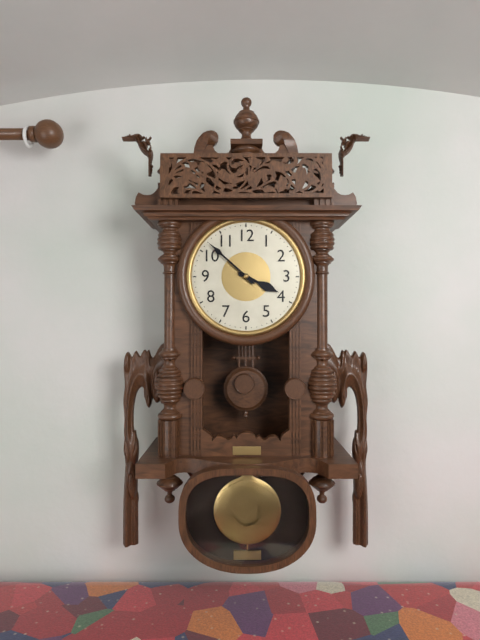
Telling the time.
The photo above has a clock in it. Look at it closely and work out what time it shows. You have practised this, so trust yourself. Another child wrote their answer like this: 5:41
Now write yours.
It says 3:52
